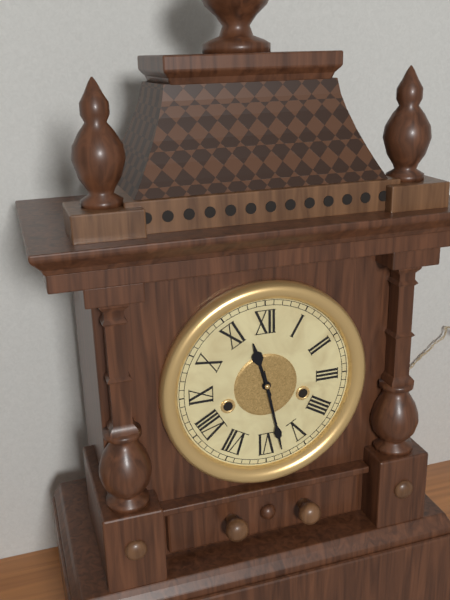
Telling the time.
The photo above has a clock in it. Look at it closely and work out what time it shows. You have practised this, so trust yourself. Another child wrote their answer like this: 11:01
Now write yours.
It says 11:28
